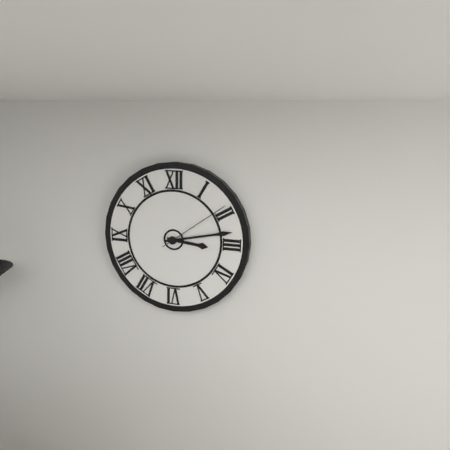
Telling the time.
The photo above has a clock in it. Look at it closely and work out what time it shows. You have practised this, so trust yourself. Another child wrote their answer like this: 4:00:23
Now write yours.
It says 3:13:09
